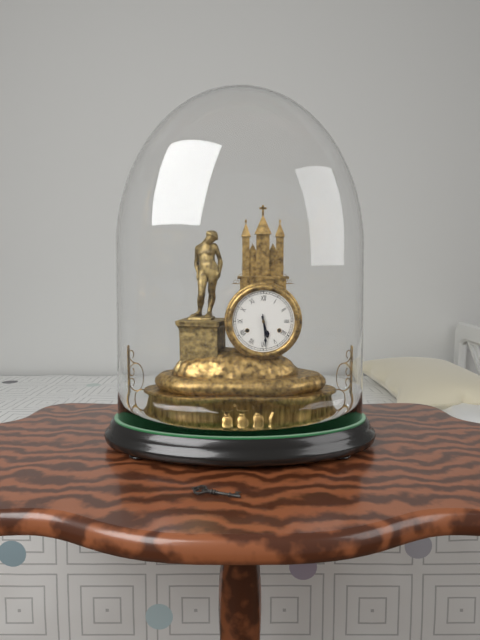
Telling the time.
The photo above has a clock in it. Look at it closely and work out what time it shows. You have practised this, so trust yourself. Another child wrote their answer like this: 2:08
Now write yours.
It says 5:29
